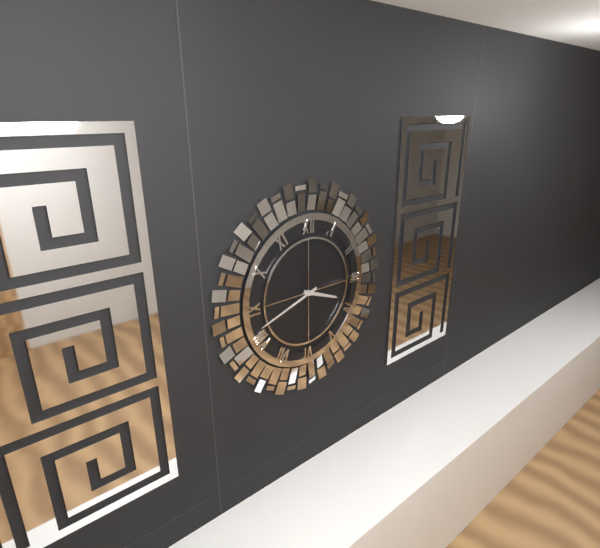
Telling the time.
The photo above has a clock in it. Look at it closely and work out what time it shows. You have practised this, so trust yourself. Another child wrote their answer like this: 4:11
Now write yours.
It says 3:42
